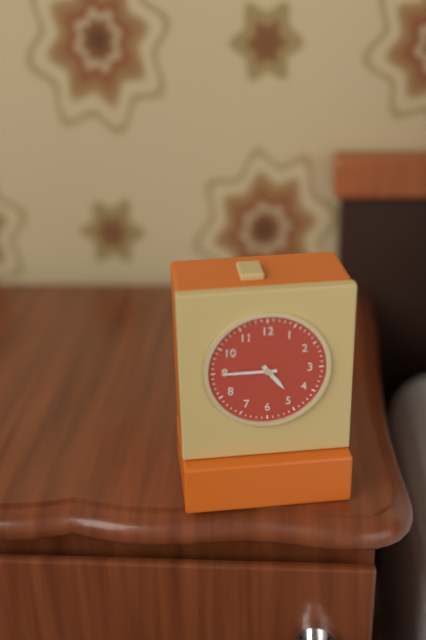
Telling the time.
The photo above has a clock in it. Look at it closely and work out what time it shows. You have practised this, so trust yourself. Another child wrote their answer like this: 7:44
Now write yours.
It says 4:45
